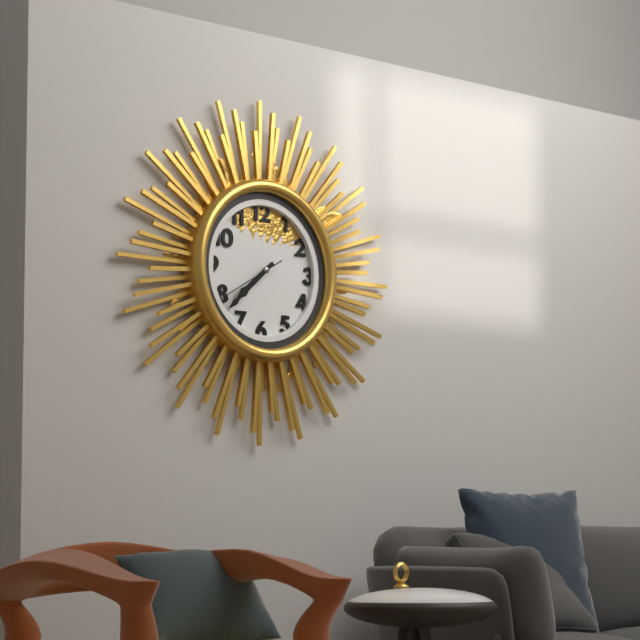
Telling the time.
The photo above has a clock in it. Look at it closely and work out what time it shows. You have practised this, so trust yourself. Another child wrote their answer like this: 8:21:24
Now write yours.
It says 7:38:40
